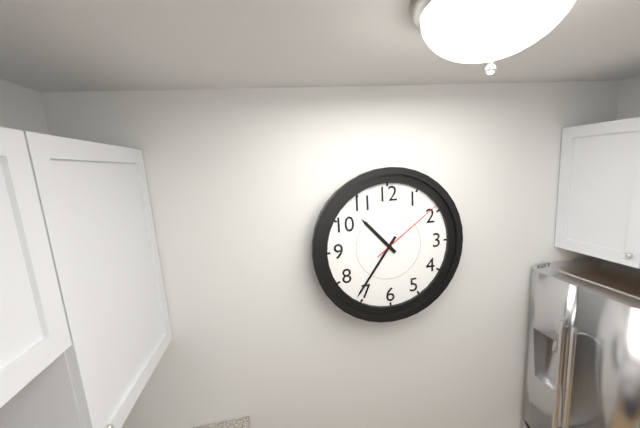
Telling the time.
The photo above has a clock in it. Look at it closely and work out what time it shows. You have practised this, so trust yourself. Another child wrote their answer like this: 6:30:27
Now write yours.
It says 10:36:09
